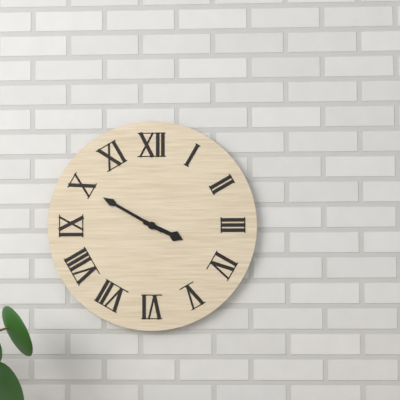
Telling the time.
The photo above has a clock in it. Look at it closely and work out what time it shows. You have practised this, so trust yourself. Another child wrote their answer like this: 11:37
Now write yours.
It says 3:50
